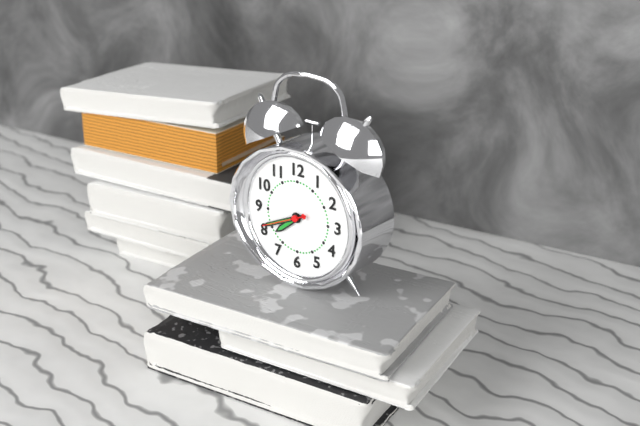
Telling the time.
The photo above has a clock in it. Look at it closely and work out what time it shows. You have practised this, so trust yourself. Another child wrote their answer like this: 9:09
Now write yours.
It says 7:41
